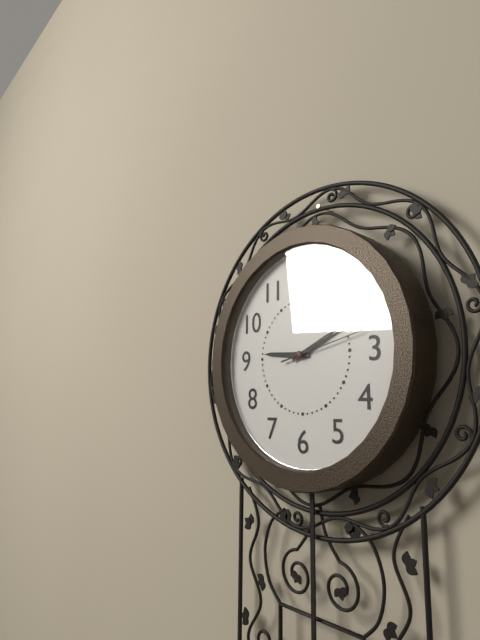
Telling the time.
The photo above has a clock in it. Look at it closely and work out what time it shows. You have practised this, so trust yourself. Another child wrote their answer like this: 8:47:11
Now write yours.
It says 9:11:13
